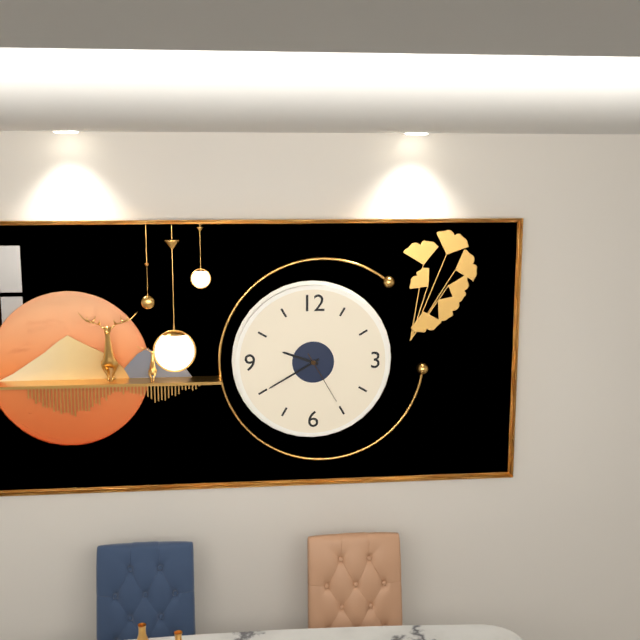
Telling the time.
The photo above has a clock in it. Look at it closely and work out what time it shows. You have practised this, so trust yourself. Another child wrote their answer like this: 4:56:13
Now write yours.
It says 9:40:25
